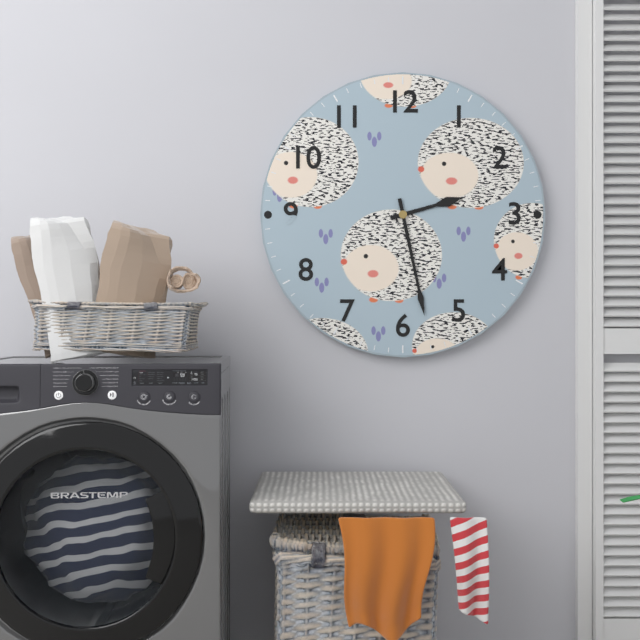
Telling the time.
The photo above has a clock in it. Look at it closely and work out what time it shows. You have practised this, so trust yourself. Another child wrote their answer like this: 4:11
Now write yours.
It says 2:28
